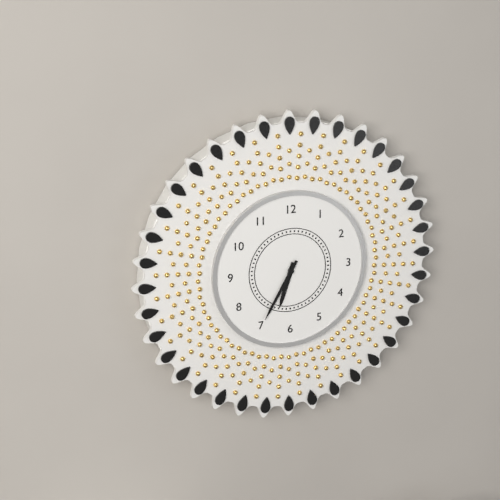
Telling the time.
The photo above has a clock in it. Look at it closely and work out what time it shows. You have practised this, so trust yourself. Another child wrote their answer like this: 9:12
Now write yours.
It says 6:35
